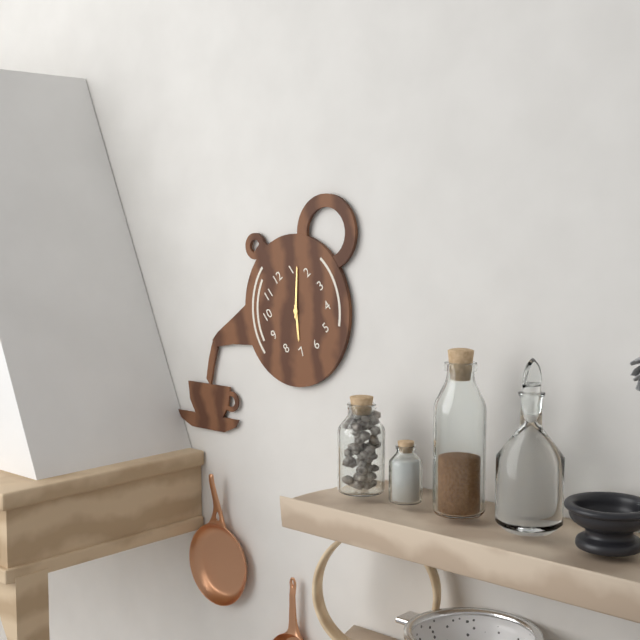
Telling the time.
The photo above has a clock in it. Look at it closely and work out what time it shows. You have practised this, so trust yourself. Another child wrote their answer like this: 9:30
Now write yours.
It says 7:07
